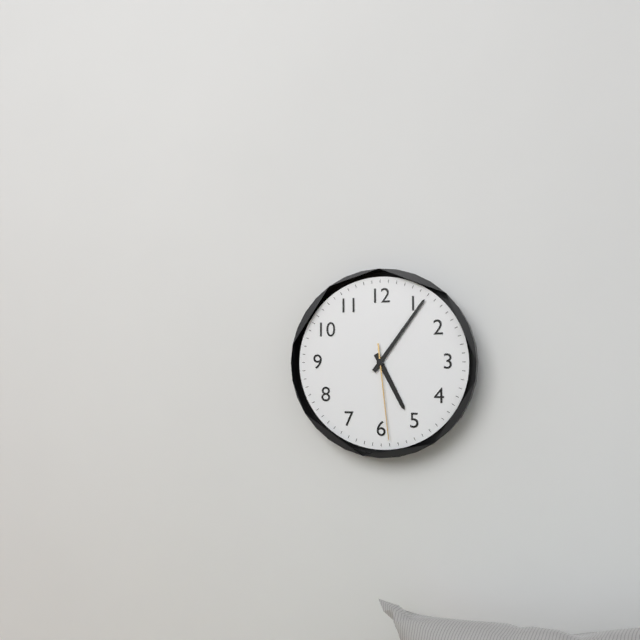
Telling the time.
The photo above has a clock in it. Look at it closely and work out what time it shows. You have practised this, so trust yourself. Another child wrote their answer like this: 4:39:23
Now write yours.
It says 5:06:29
